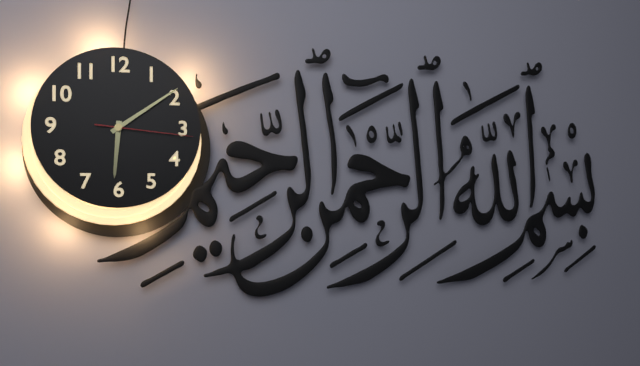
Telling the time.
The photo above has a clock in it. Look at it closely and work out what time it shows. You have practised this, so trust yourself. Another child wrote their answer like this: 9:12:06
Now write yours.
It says 6:09:16
